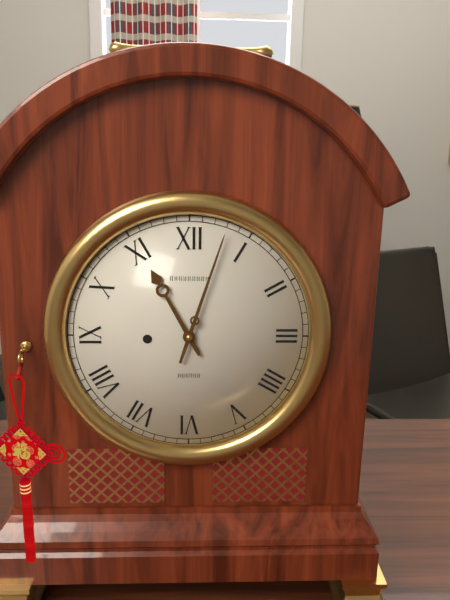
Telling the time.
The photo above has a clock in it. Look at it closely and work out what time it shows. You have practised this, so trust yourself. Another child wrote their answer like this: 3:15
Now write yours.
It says 11:03
